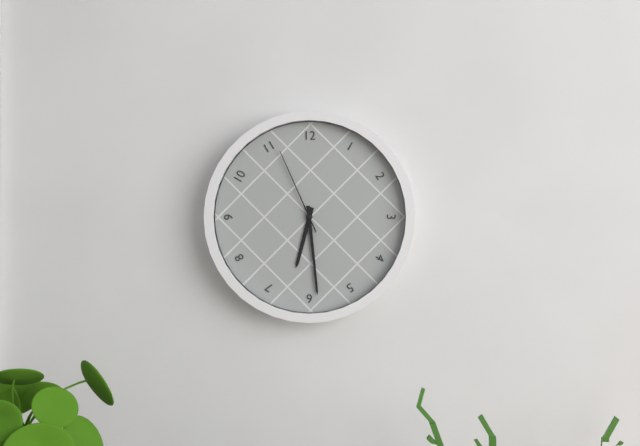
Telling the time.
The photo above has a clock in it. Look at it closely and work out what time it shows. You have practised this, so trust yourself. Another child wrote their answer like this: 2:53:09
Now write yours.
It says 6:29:56
